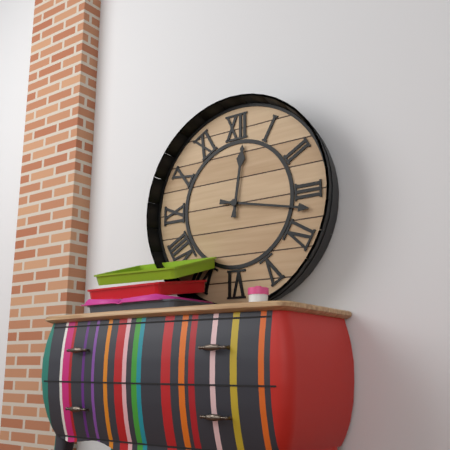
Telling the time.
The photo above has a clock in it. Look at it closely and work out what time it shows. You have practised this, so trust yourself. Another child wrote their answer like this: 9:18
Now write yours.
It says 12:17
